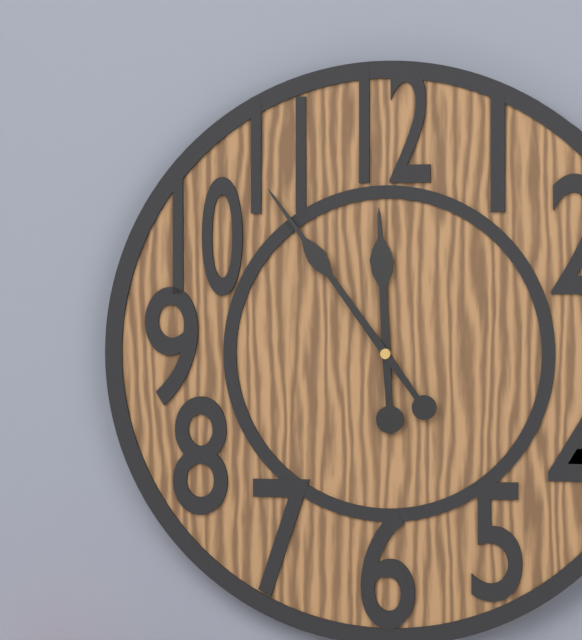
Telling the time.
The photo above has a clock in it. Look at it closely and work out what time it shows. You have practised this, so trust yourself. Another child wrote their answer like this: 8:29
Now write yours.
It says 11:54
